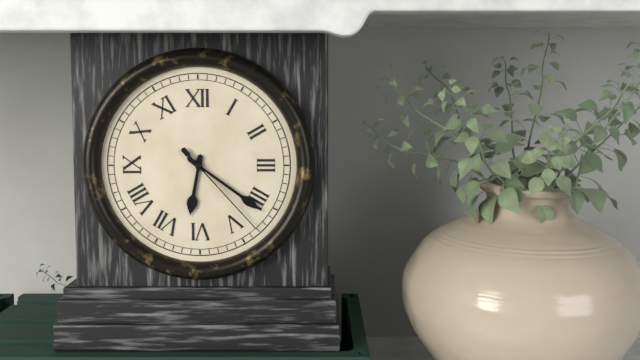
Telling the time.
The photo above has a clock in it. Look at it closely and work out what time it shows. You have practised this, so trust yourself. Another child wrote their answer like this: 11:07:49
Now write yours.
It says 6:21:23
